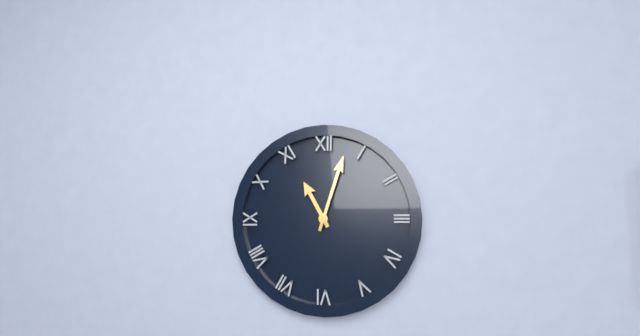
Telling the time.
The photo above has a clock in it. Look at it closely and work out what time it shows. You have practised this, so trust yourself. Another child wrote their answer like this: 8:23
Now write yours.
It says 11:03
